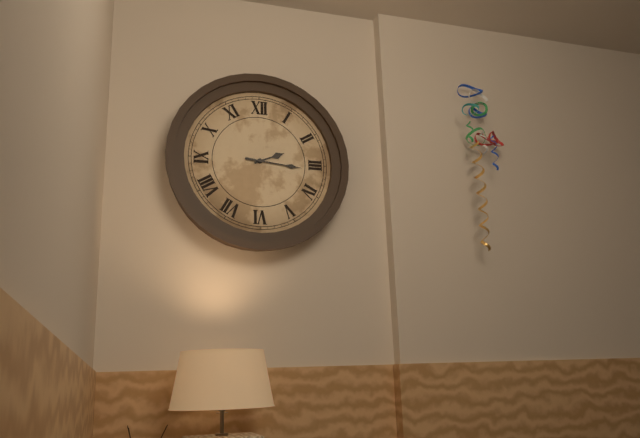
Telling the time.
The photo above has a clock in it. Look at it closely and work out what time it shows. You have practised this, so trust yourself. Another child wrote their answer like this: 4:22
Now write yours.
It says 2:16
